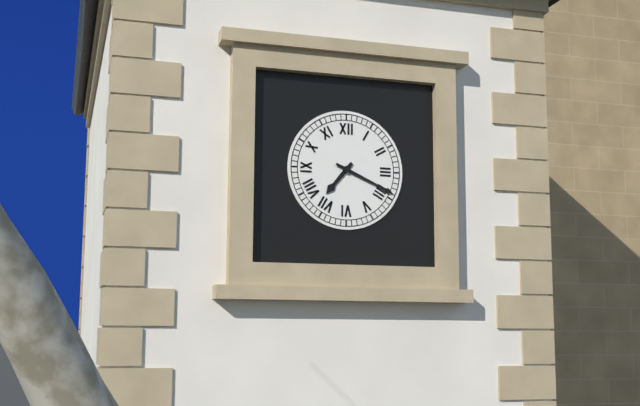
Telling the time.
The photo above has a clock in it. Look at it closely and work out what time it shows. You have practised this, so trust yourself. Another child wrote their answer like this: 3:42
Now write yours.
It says 7:19
